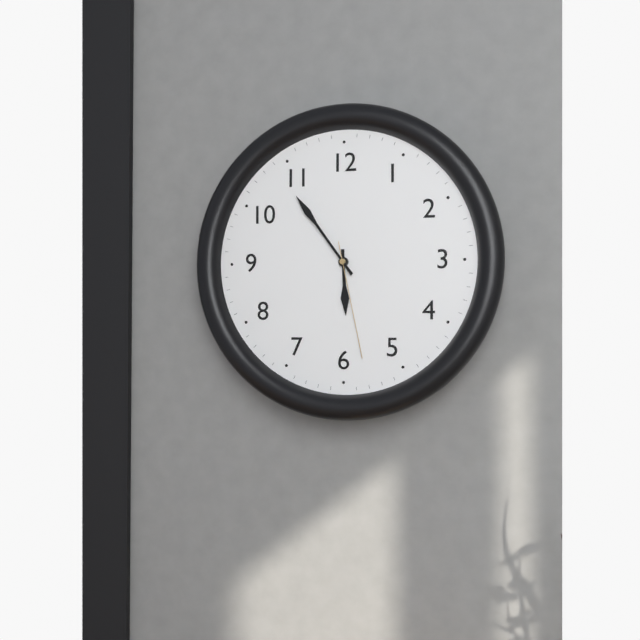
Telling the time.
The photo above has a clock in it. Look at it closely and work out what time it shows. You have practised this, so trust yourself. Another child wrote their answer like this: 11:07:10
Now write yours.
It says 5:54:28
